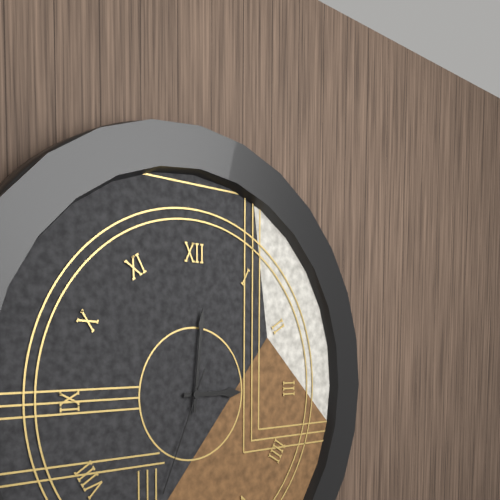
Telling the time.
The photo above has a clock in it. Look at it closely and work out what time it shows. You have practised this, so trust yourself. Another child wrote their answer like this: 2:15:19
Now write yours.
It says 3:01:34
